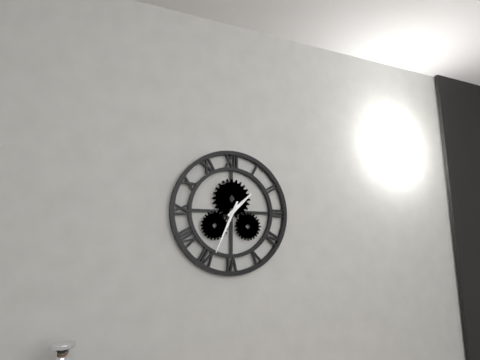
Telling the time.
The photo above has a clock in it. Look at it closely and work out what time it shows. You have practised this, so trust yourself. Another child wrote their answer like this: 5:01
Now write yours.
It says 1:34
